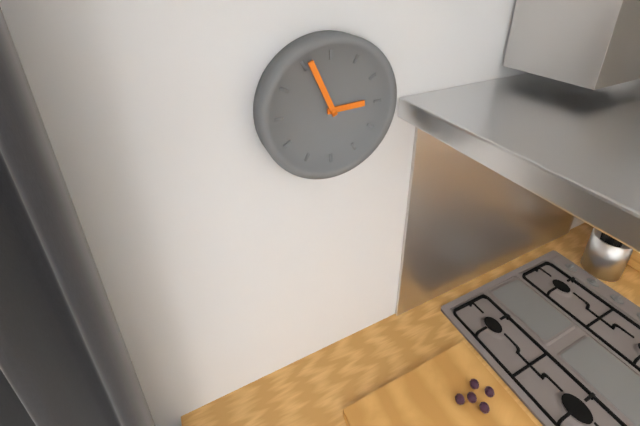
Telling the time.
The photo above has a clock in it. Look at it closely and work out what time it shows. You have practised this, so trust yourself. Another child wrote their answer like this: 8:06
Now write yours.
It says 2:56
